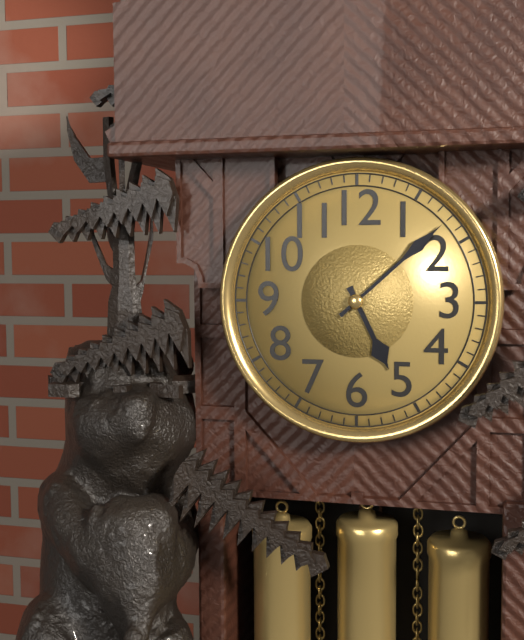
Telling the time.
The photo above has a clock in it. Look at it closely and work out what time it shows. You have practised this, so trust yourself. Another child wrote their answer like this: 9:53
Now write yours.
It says 5:08
